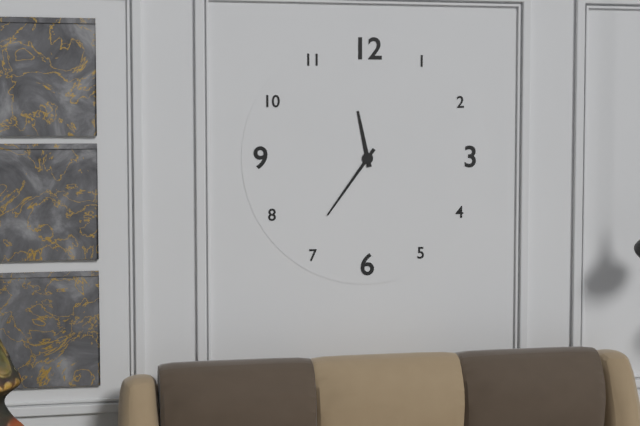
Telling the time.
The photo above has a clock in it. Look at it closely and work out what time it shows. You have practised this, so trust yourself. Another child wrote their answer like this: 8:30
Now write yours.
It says 11:36
